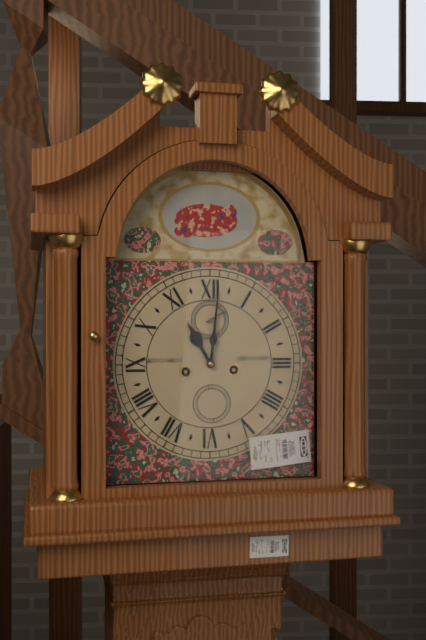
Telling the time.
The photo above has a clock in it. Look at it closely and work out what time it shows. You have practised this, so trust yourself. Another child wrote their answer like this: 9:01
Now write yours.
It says 11:01
